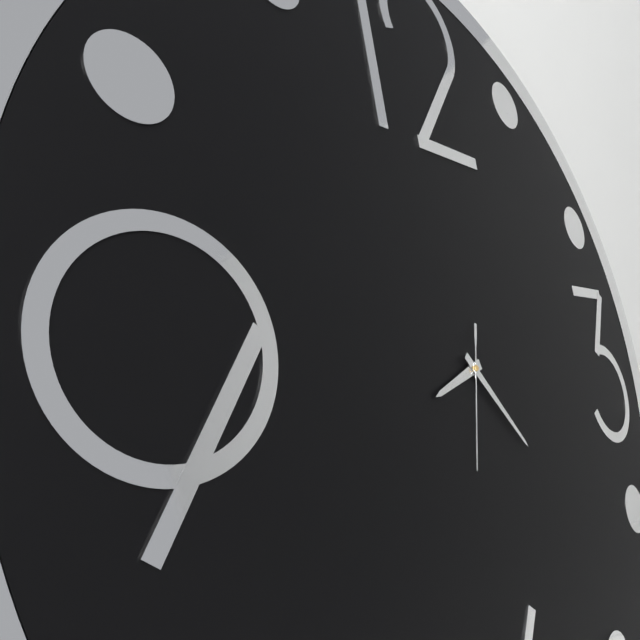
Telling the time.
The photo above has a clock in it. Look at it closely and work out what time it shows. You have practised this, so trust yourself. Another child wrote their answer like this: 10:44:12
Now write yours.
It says 8:23:33
